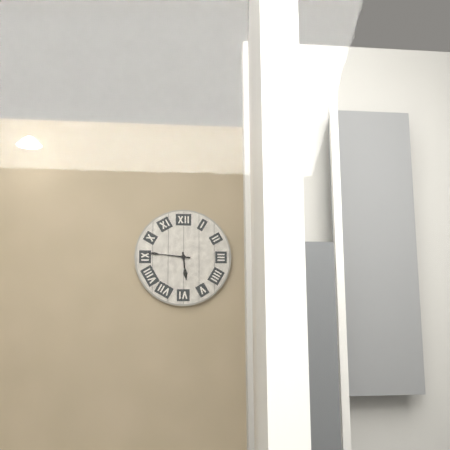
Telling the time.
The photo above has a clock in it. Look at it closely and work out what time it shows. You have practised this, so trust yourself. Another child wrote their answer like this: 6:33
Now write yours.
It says 5:46
